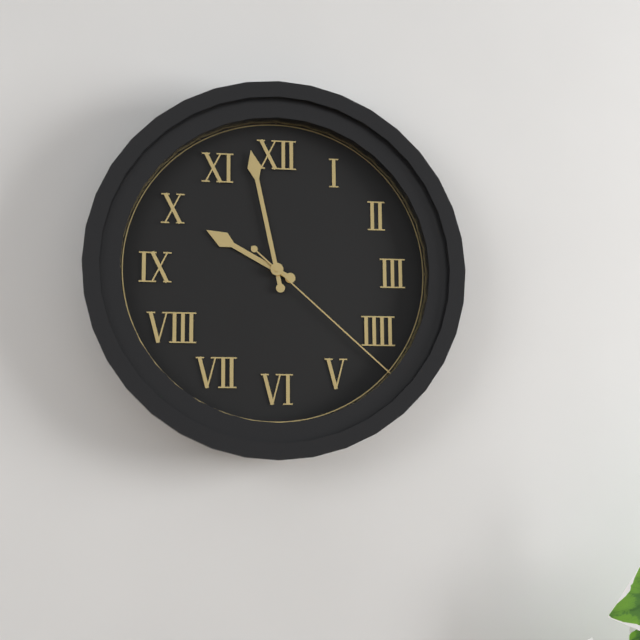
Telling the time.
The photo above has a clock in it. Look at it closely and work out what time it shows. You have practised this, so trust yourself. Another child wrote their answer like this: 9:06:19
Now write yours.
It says 9:58:22
